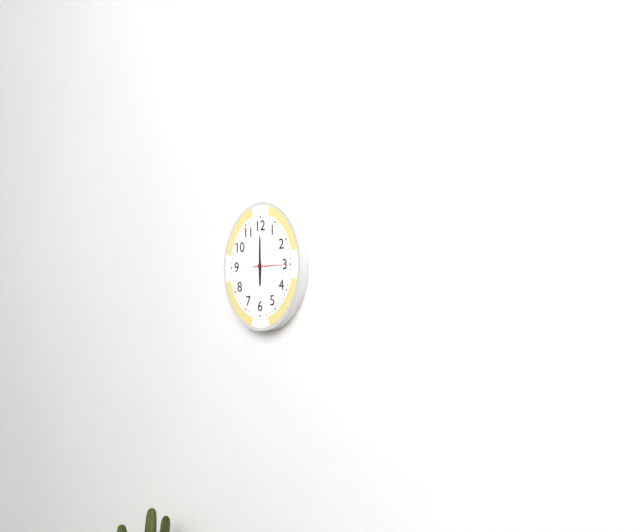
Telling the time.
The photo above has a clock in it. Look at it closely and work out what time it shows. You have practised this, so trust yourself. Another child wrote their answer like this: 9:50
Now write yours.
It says 6:00
